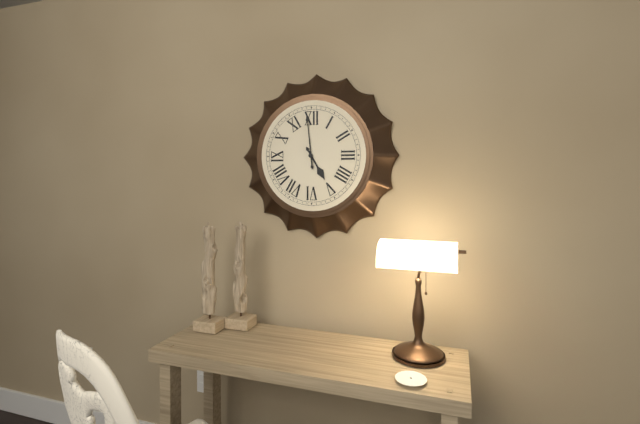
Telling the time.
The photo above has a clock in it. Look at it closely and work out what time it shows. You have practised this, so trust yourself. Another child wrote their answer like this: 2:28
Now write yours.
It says 4:59
